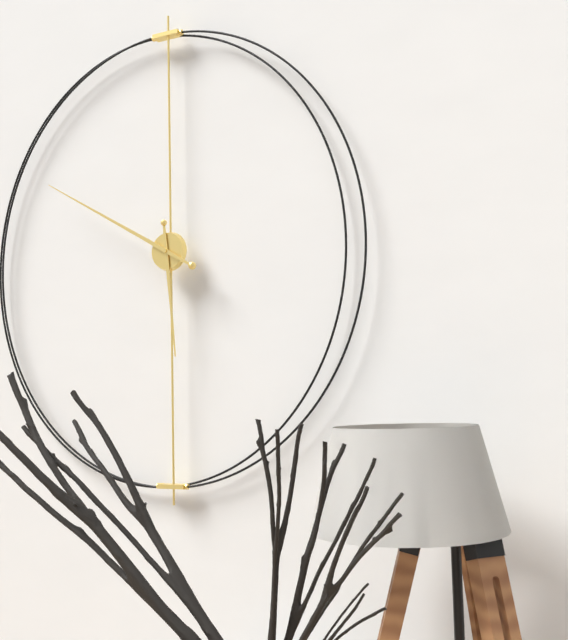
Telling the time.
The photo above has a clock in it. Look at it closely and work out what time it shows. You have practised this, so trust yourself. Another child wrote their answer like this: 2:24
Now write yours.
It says 5:50
